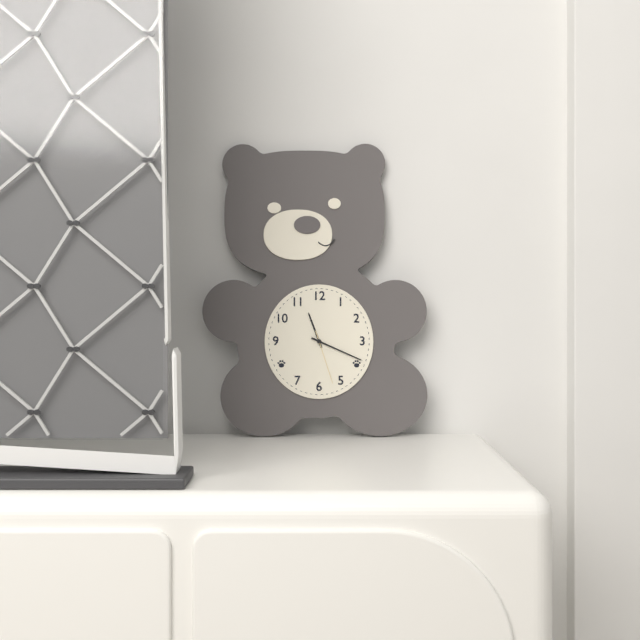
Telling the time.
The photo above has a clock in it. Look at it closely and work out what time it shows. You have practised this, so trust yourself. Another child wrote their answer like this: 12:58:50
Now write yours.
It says 11:19:27
